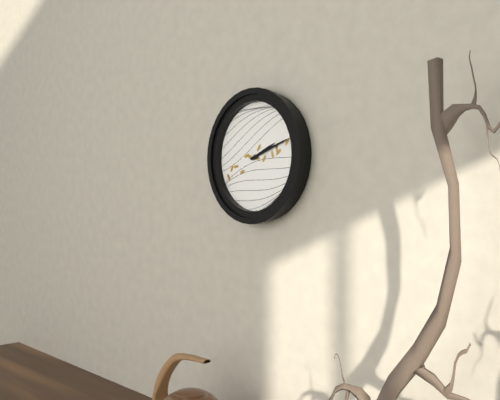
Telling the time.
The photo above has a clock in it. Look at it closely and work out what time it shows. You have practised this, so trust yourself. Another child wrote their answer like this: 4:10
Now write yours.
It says 2:12
